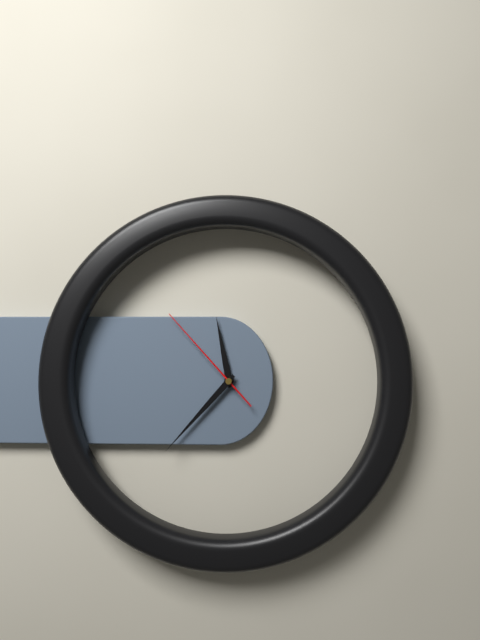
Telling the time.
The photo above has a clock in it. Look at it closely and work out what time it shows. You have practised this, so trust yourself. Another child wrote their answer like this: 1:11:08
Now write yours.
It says 11:37:53
